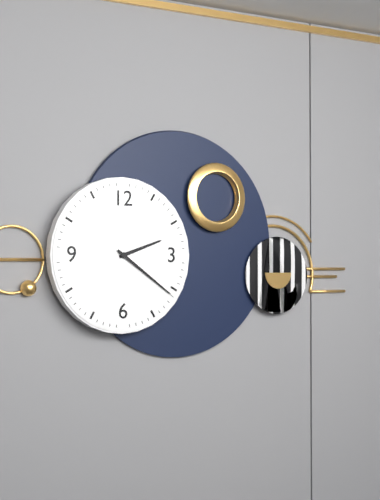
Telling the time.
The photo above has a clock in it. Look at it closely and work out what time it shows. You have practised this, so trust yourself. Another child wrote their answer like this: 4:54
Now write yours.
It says 2:21
